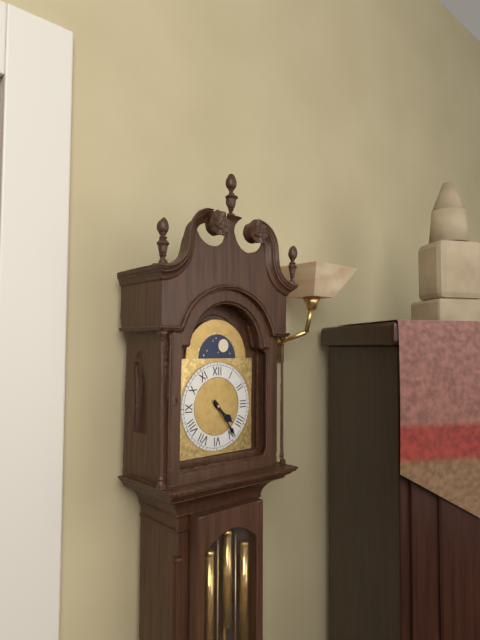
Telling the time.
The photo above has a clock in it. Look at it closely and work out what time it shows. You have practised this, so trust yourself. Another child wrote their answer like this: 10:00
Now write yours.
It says 4:24
